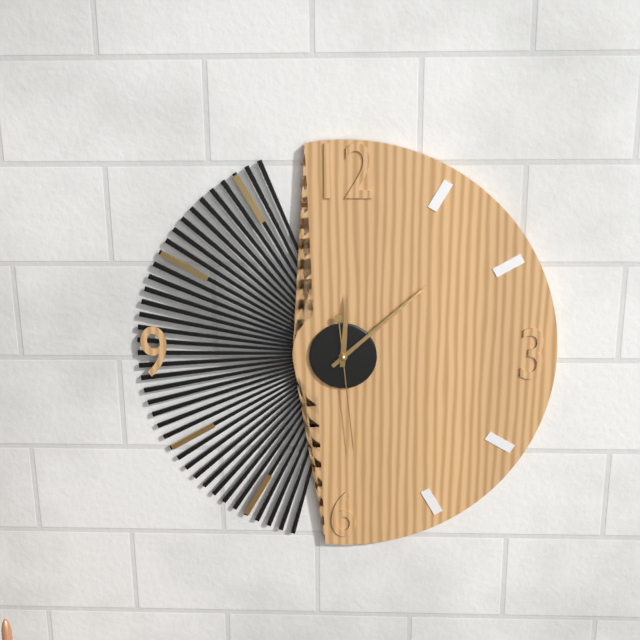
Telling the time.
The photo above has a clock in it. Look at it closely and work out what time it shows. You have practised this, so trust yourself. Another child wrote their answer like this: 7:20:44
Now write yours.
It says 12:08:29
